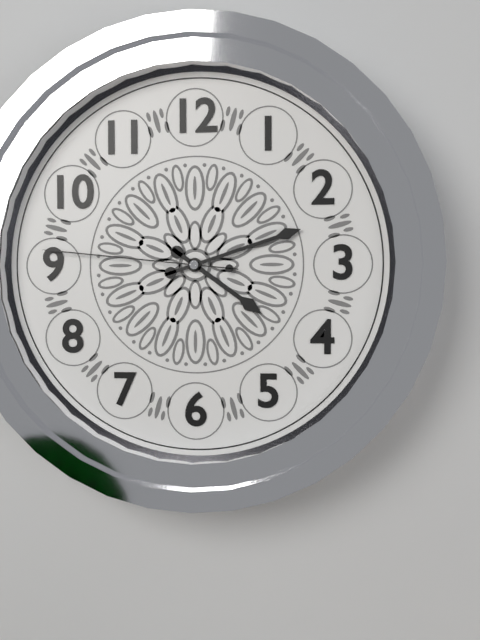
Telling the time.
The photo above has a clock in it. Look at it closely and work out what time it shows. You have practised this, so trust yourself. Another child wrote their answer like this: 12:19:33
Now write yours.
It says 4:12:46
